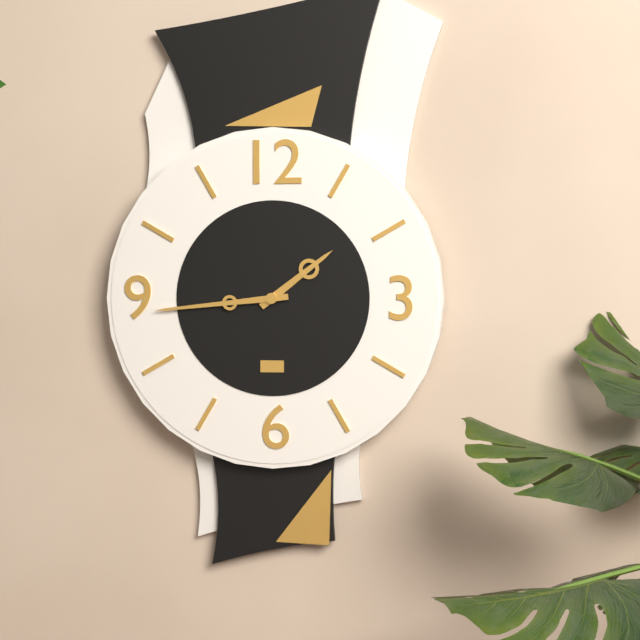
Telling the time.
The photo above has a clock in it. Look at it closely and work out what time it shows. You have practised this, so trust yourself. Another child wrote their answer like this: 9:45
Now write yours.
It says 1:44
